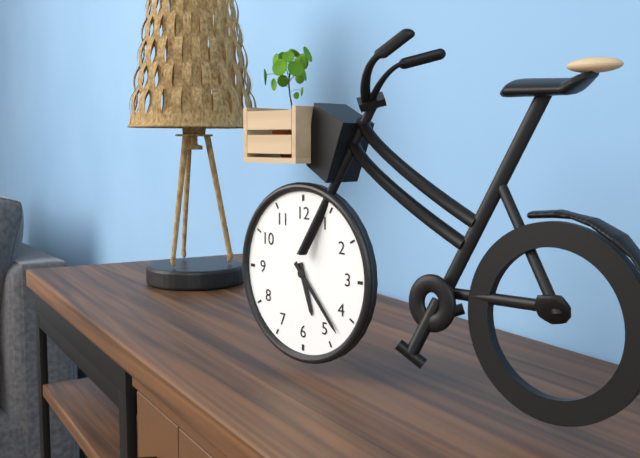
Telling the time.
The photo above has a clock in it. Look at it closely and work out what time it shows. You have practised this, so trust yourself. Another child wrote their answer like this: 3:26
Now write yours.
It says 5:23
